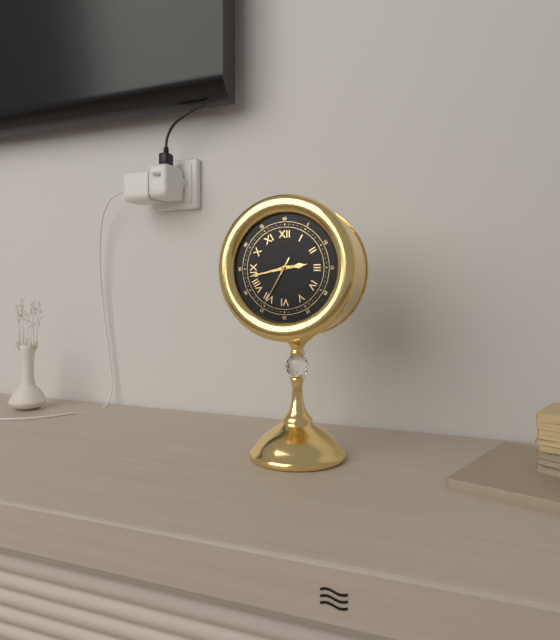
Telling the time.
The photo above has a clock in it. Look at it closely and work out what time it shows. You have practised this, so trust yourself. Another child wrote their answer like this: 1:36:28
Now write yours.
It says 2:43:35
